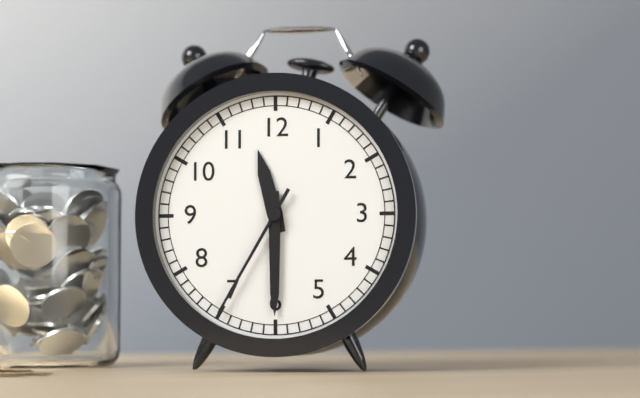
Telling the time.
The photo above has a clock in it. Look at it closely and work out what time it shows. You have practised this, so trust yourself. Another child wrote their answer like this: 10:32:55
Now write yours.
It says 11:30:35
